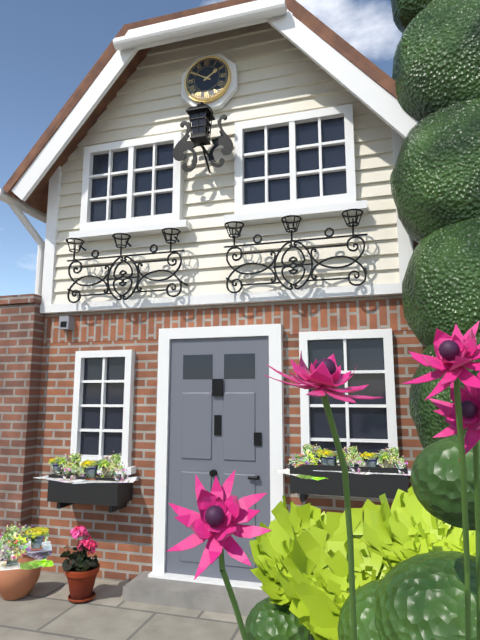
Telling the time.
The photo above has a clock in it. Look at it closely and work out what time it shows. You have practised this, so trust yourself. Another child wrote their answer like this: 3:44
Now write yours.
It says 1:50
